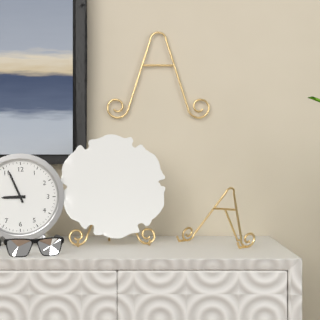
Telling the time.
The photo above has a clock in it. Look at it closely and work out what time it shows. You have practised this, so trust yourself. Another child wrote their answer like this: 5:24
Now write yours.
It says 8:56
